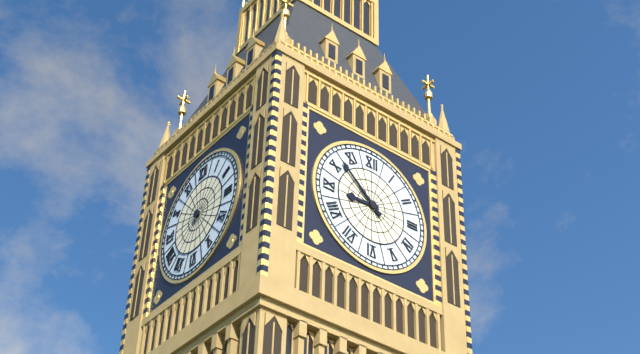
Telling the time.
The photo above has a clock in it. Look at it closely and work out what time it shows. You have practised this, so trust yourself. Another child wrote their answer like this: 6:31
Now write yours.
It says 8:52
